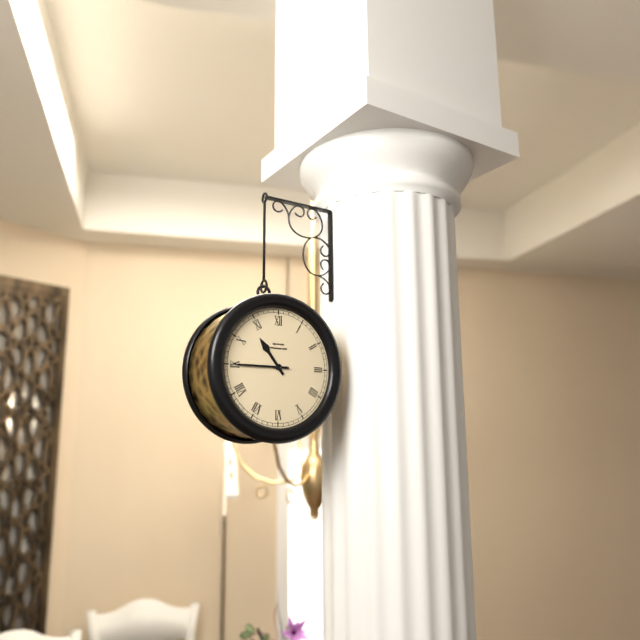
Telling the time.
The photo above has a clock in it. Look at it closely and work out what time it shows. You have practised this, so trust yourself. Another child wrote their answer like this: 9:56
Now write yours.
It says 10:45
